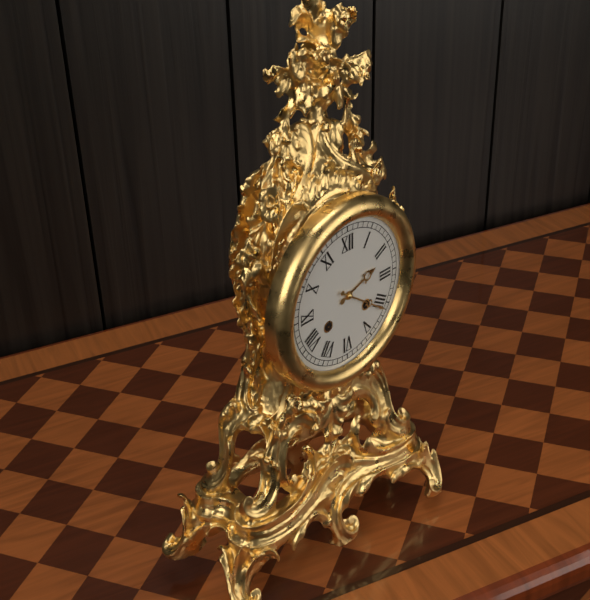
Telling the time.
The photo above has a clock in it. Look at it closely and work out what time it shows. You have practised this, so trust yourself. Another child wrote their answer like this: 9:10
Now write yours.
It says 2:21
